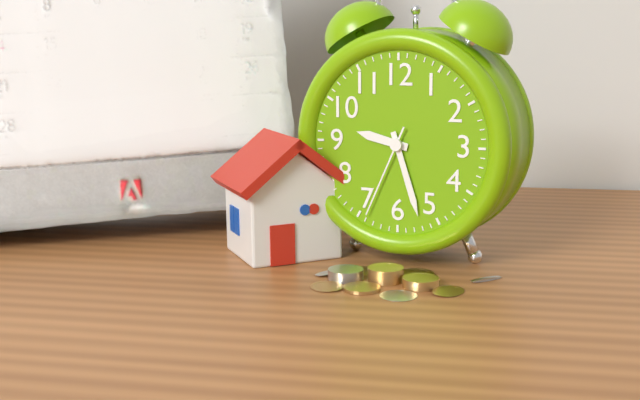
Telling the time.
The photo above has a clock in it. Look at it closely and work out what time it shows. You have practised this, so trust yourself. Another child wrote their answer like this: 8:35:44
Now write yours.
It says 9:27:34
